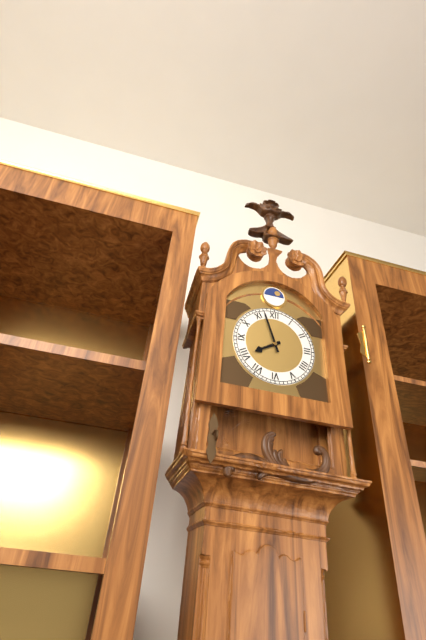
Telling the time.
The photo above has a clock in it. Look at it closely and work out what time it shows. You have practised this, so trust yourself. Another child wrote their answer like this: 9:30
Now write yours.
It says 7:57
